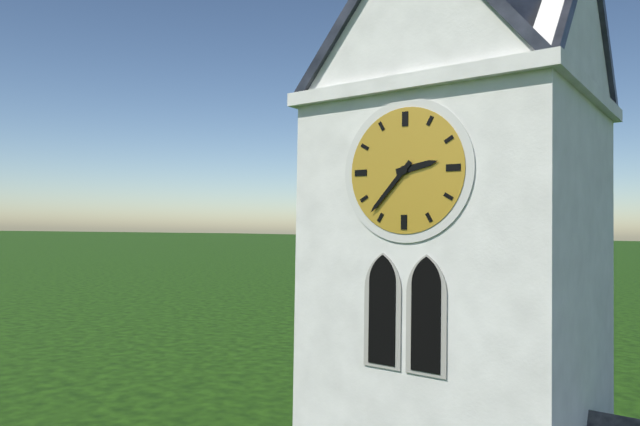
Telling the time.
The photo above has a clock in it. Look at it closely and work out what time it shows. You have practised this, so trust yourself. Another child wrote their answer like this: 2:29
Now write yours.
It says 2:37
